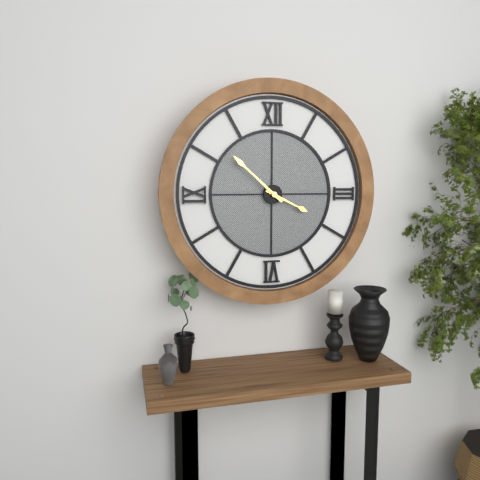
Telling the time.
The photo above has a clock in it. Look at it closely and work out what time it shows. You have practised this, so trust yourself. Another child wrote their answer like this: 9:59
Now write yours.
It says 3:52
